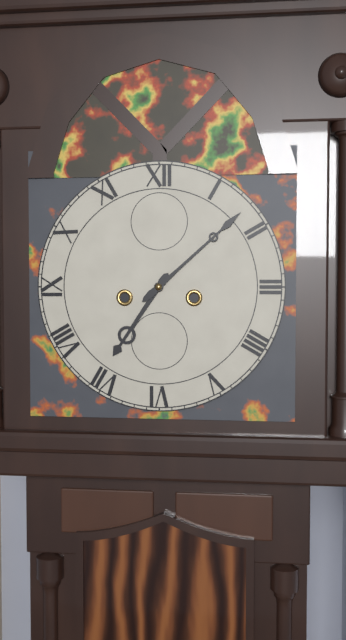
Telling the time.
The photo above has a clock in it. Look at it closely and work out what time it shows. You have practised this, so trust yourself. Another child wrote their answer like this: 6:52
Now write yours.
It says 7:08
